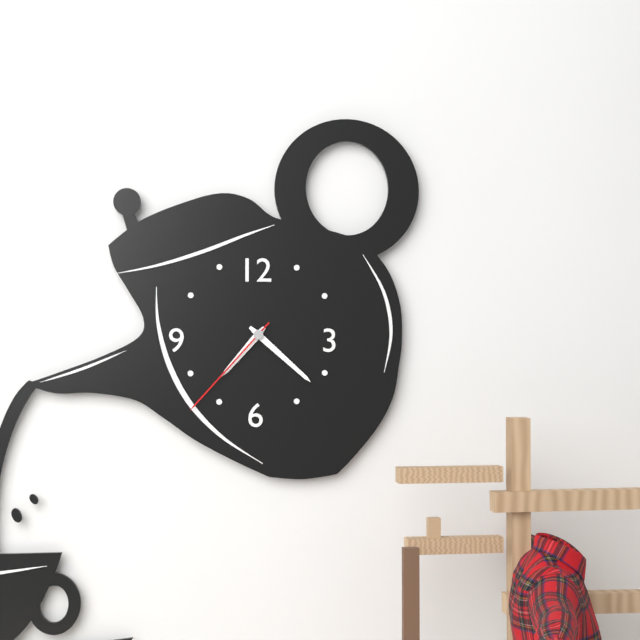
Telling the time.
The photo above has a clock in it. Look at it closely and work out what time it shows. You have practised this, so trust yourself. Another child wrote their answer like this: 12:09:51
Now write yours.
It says 7:22:37
